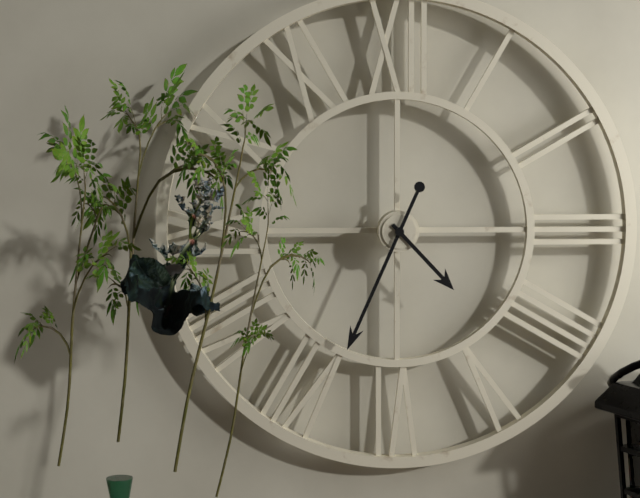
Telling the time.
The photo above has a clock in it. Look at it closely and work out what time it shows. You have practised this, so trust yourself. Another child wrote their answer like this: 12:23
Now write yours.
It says 4:34
